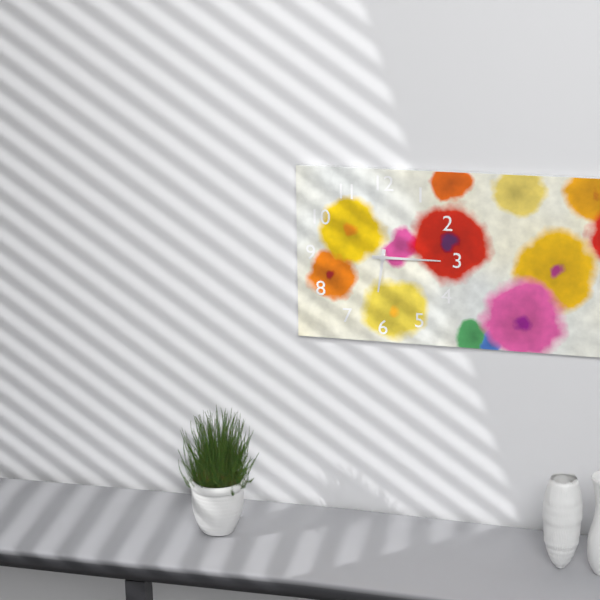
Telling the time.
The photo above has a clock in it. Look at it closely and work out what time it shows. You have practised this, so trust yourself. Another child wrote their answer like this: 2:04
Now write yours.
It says 6:15
